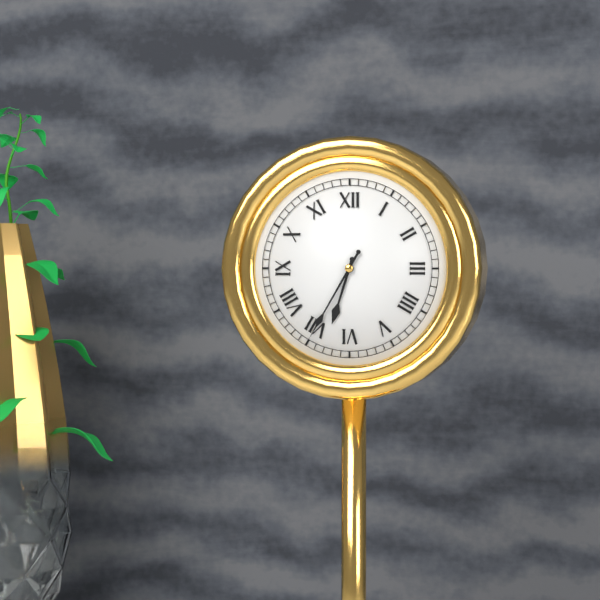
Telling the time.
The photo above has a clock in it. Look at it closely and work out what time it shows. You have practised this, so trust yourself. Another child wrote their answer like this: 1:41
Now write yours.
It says 6:35
